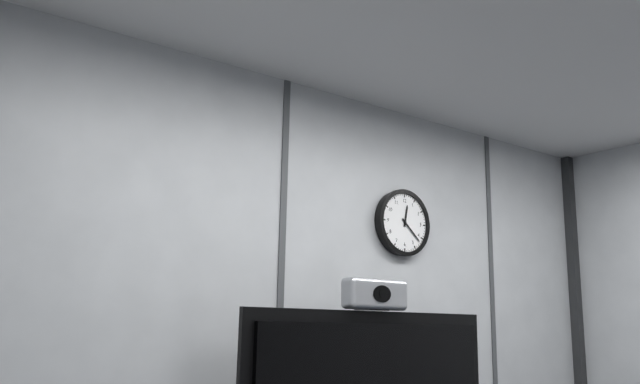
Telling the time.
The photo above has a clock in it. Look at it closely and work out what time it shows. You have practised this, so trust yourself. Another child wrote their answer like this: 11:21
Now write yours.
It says 12:22
